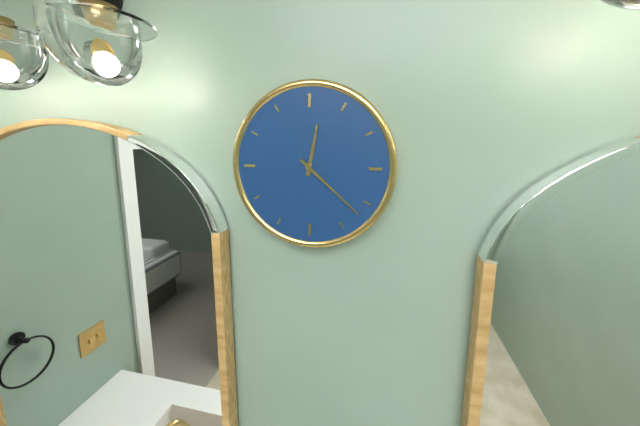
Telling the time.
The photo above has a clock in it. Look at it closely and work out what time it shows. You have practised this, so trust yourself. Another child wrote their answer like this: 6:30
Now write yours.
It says 12:22
